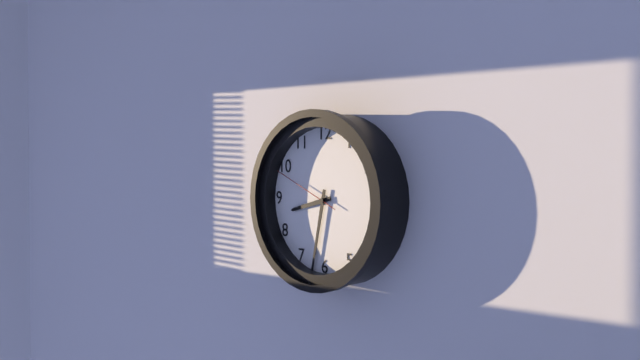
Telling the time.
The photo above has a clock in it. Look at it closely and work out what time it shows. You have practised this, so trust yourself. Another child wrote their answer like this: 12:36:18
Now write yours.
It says 8:32:49
